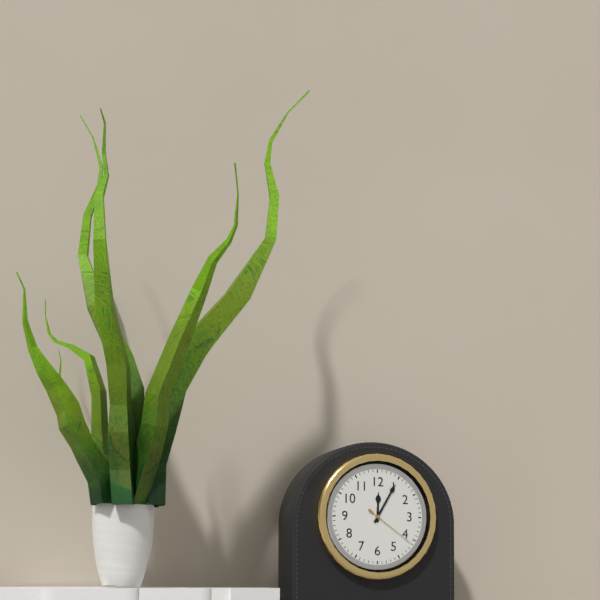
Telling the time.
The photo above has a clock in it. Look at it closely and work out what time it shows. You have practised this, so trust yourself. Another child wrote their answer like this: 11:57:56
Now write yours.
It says 12:05:21
